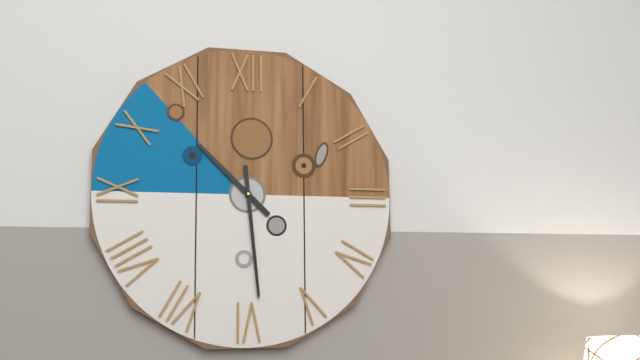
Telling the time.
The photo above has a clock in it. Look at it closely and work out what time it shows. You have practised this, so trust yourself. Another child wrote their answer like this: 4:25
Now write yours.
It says 10:29
